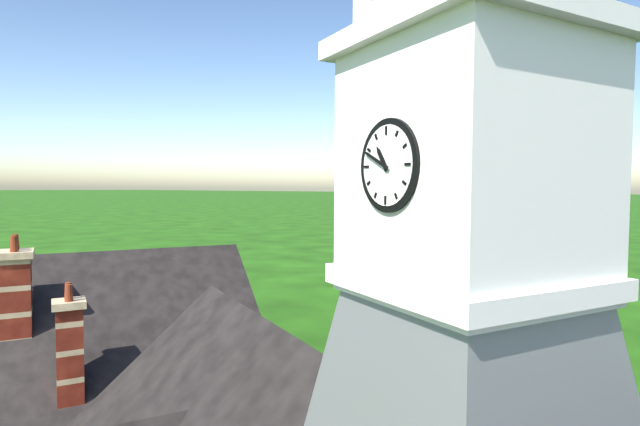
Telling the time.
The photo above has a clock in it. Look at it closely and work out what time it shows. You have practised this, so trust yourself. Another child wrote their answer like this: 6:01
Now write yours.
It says 10:49
